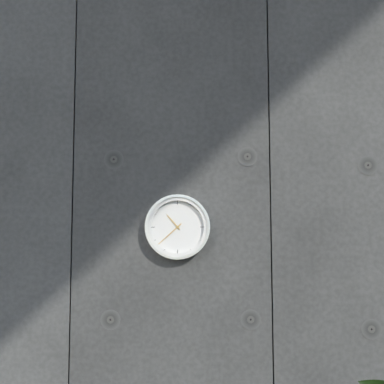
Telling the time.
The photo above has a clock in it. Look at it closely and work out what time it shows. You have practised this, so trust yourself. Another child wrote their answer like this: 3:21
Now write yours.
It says 10:38
